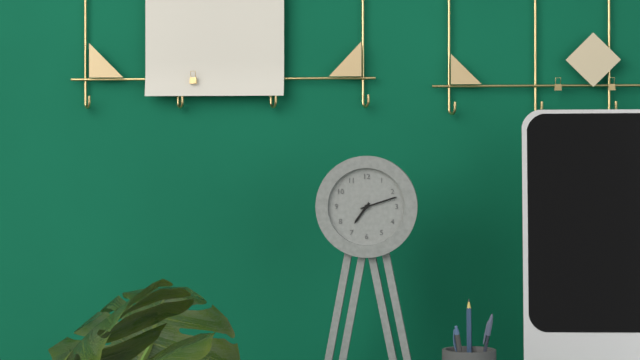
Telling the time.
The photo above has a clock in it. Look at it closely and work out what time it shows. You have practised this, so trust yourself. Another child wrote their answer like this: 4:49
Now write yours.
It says 7:12
